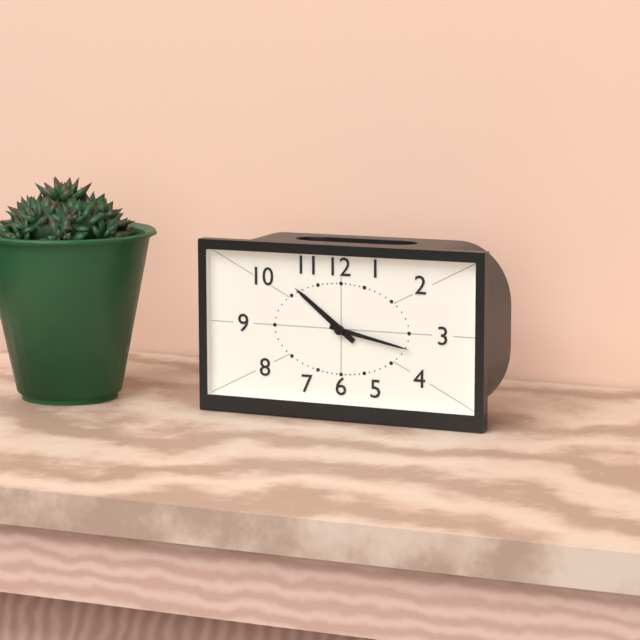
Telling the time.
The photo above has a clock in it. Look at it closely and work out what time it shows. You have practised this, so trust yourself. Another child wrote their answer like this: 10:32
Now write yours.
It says 10:17
